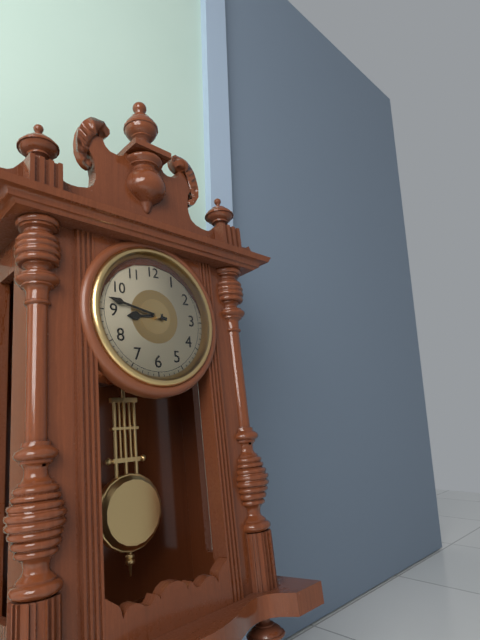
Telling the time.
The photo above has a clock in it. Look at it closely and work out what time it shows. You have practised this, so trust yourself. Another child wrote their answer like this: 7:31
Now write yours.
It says 8:47
